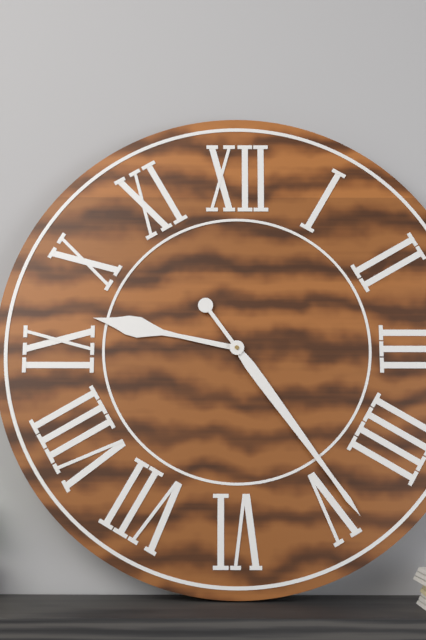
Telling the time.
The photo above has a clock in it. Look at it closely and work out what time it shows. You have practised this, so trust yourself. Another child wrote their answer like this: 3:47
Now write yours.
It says 9:24
